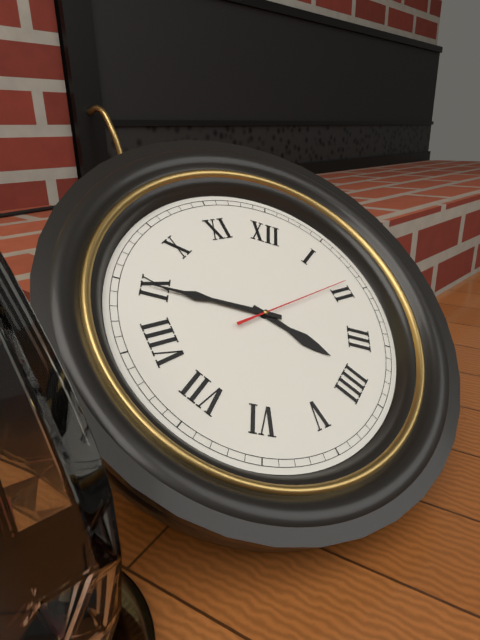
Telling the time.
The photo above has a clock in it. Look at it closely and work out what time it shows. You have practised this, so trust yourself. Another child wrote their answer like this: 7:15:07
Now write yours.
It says 3:45:09
